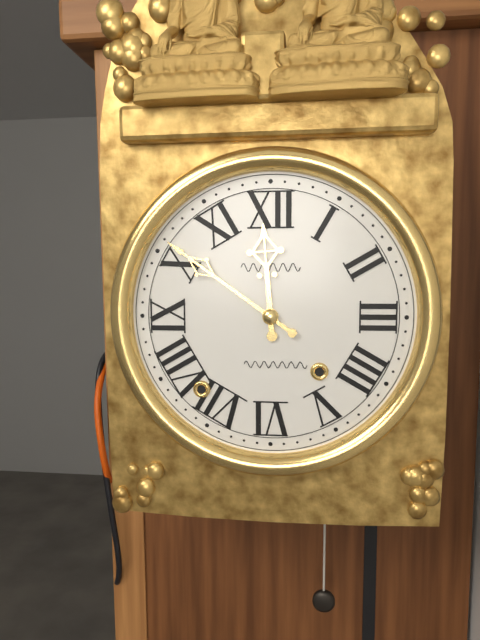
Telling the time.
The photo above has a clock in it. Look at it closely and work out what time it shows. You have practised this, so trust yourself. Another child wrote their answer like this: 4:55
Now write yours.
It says 11:51
